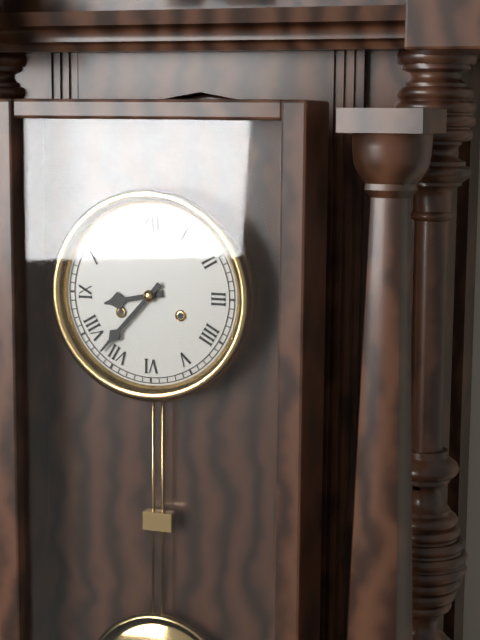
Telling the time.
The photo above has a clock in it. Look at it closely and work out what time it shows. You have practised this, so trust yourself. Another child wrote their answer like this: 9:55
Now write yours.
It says 8:37
